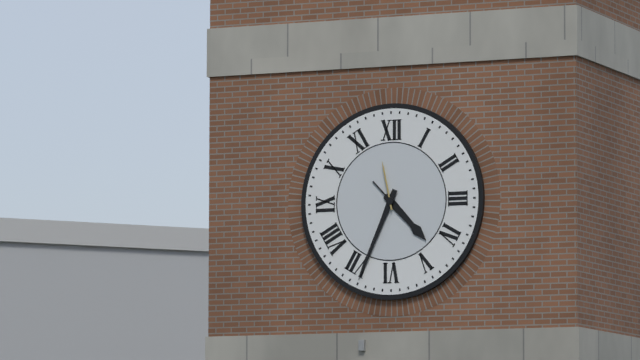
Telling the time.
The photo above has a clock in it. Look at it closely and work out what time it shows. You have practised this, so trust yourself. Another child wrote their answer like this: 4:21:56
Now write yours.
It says 4:34:58
